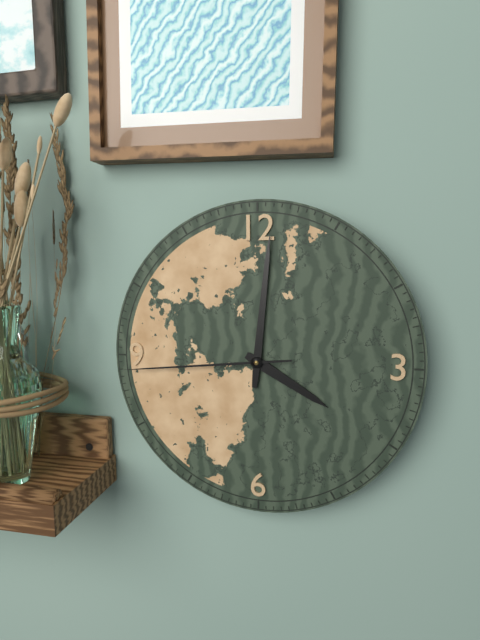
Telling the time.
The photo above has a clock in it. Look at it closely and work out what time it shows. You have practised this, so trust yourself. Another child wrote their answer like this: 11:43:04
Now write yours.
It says 4:01:44
